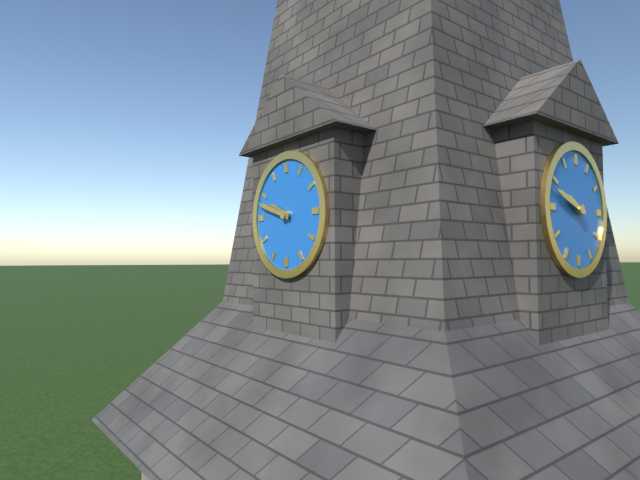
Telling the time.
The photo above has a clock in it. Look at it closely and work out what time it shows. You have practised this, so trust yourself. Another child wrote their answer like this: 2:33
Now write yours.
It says 9:48
